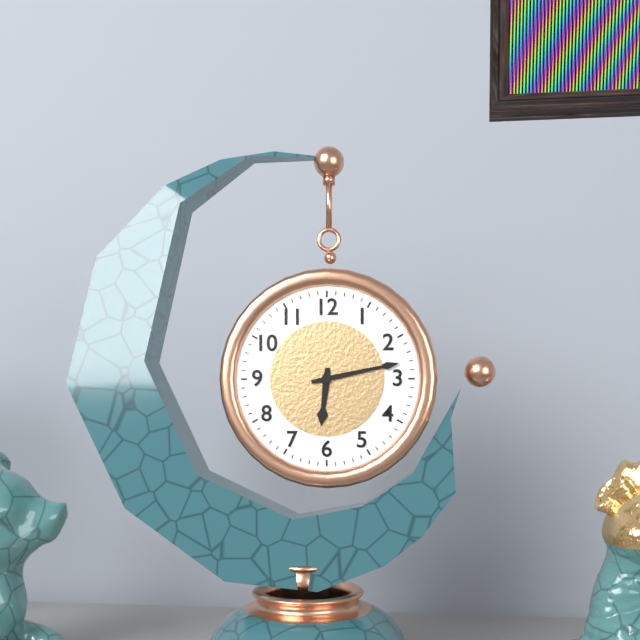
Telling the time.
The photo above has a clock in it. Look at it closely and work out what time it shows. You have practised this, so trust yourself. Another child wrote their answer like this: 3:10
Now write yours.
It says 6:13
